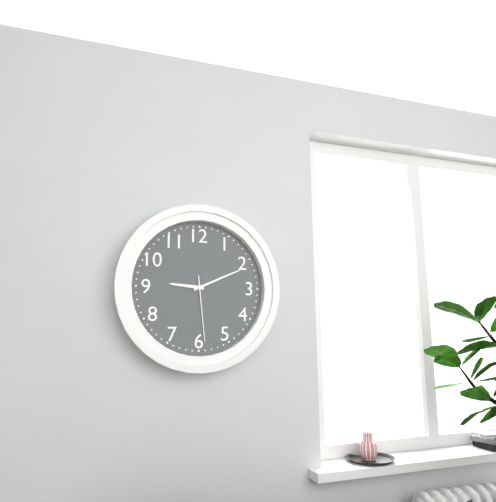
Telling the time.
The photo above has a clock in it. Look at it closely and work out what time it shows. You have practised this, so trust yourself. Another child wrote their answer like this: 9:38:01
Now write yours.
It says 9:11:29
